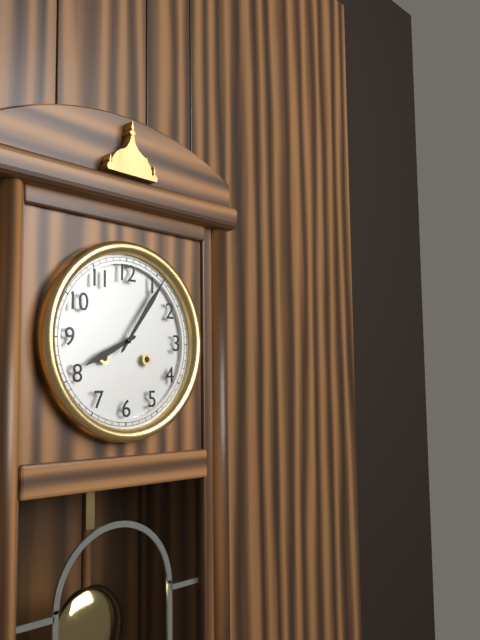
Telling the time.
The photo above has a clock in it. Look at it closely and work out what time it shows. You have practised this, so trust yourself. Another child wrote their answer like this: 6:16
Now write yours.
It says 8:06
